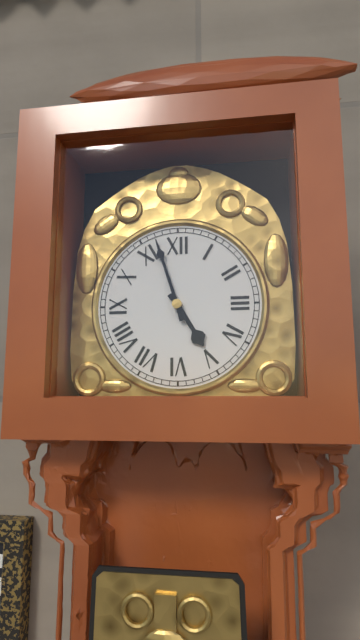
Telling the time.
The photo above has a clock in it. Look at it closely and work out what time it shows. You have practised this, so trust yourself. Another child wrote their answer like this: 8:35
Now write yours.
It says 4:57
